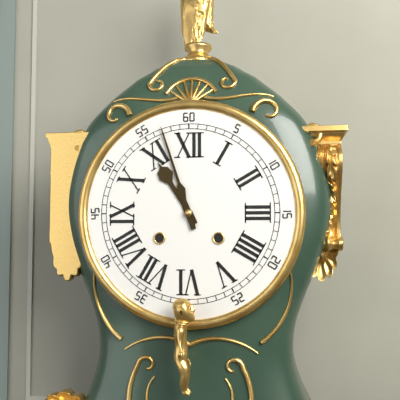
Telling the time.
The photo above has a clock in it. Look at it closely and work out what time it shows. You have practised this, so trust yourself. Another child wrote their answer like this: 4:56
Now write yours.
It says 10:57
